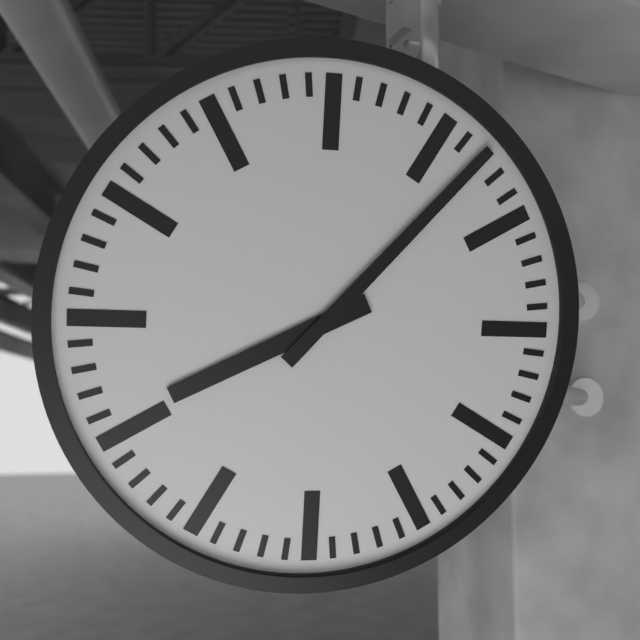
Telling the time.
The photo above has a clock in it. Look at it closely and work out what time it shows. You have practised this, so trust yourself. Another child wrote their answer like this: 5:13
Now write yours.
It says 8:07
